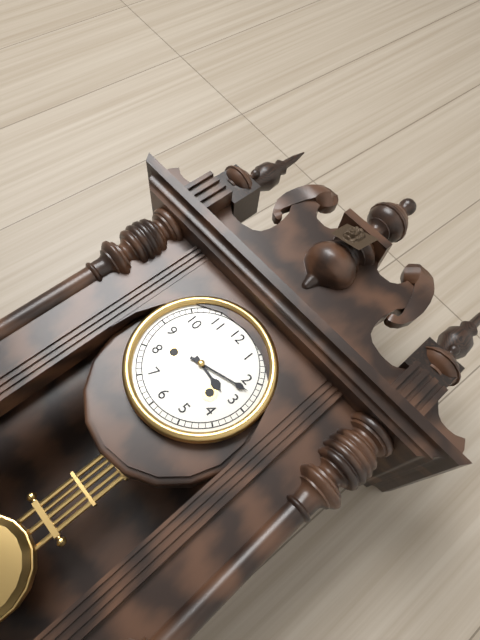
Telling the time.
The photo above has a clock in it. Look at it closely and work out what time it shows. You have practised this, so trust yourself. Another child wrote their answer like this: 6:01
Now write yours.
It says 3:12
